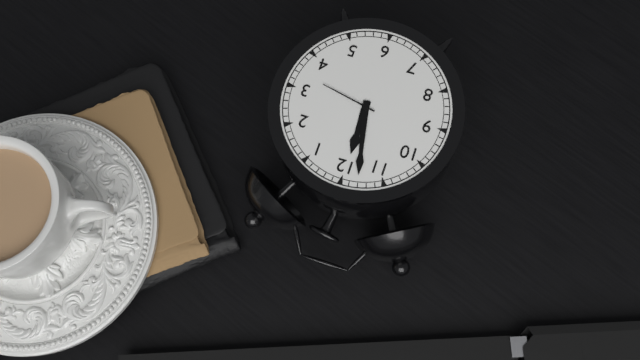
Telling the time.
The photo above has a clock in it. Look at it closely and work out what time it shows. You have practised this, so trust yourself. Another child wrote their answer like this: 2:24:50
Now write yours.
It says 11:58:17
